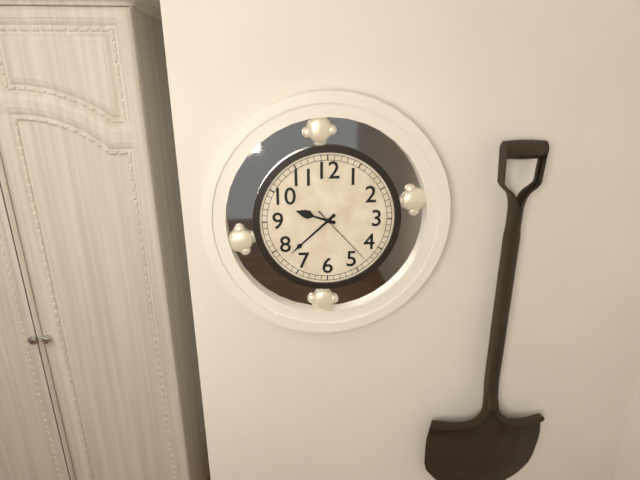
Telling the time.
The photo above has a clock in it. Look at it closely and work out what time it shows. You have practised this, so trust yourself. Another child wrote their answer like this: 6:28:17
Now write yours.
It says 9:38:23
